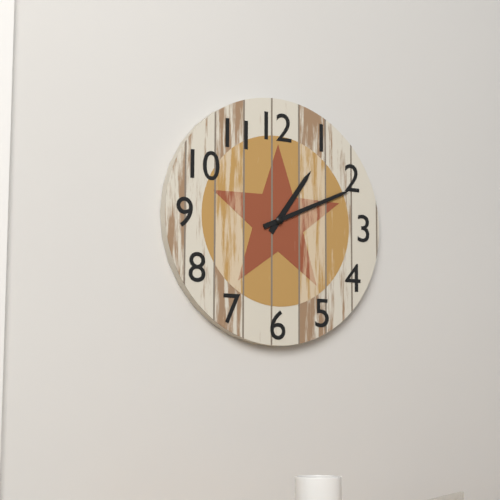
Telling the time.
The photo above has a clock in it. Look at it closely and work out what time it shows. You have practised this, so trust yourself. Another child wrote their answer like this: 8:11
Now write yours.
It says 1:11
